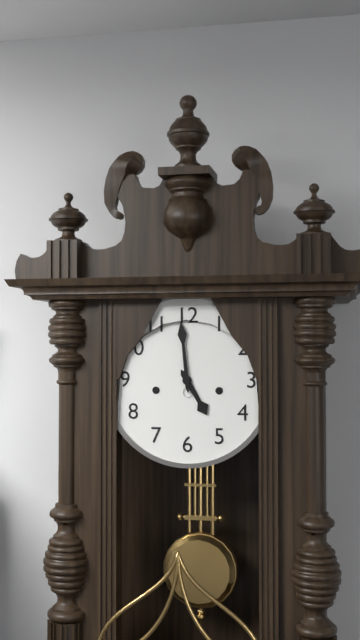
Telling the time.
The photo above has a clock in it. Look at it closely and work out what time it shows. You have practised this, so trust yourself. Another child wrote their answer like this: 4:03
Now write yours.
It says 4:59
